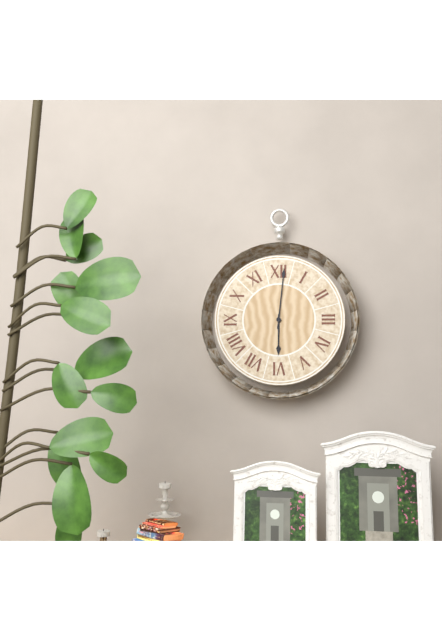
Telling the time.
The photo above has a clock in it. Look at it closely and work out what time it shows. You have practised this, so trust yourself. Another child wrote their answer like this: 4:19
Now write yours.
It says 6:01
